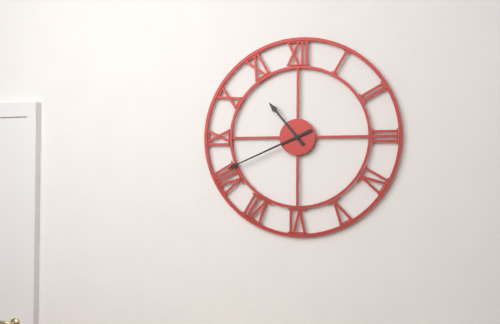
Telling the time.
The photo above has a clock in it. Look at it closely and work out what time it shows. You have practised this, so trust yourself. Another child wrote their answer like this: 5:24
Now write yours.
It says 10:41
